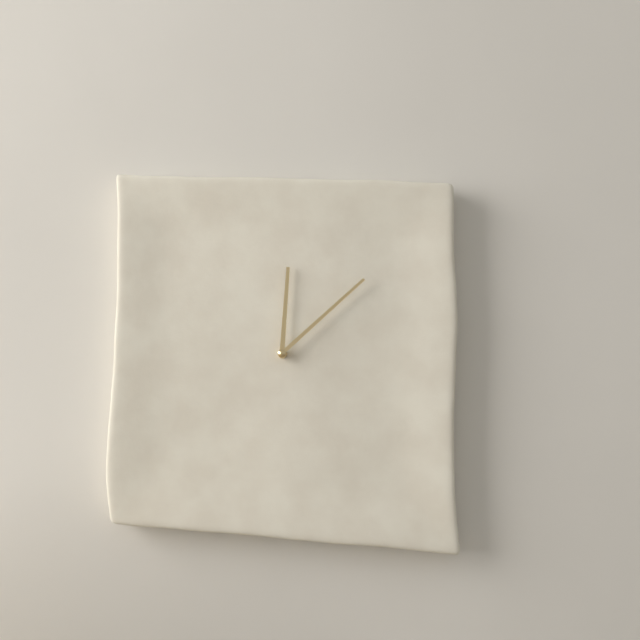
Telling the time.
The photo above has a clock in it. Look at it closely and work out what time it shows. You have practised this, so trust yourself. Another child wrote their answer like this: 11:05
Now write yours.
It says 12:08
